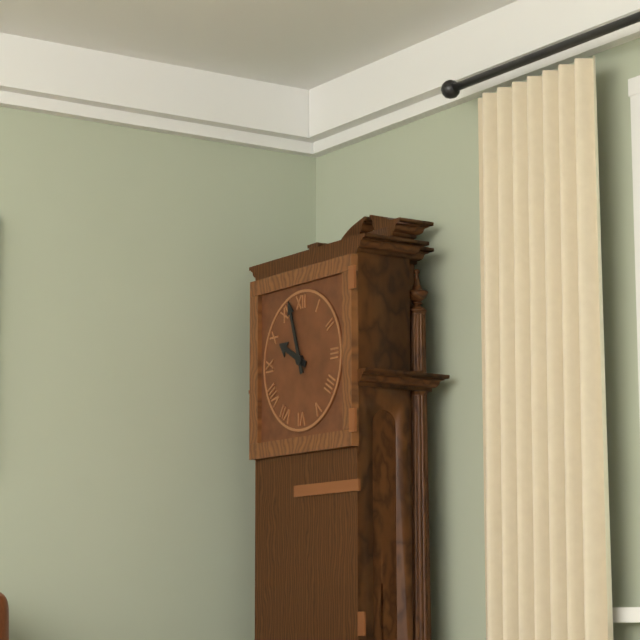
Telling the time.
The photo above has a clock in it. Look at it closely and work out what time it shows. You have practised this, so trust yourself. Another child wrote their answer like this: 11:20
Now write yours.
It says 9:57
